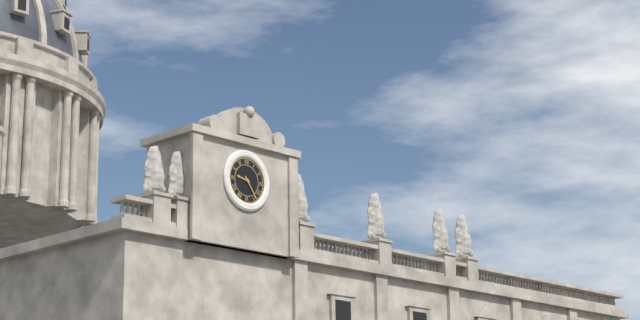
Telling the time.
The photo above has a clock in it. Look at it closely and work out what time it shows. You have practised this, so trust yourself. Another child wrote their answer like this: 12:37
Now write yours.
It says 9:24
